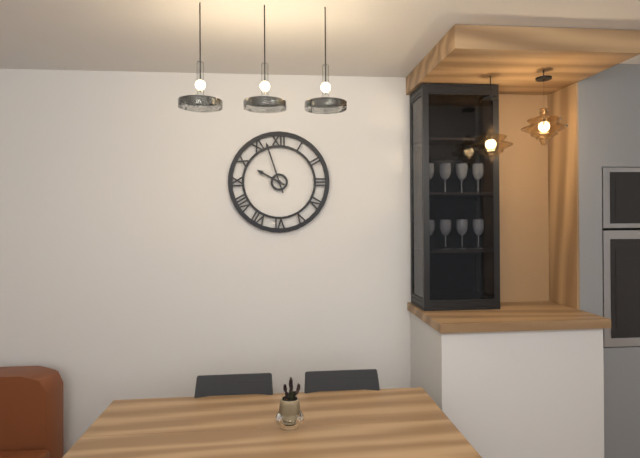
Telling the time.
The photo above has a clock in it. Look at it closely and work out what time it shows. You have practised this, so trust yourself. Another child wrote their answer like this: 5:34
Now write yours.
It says 9:57
